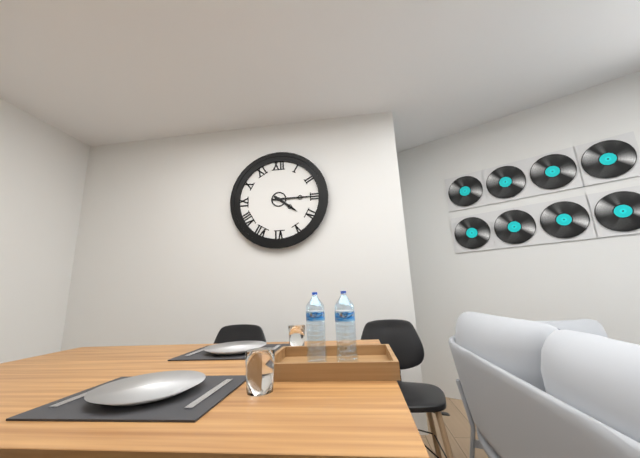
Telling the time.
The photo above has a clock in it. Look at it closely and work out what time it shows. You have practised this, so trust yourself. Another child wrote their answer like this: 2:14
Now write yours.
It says 4:15
